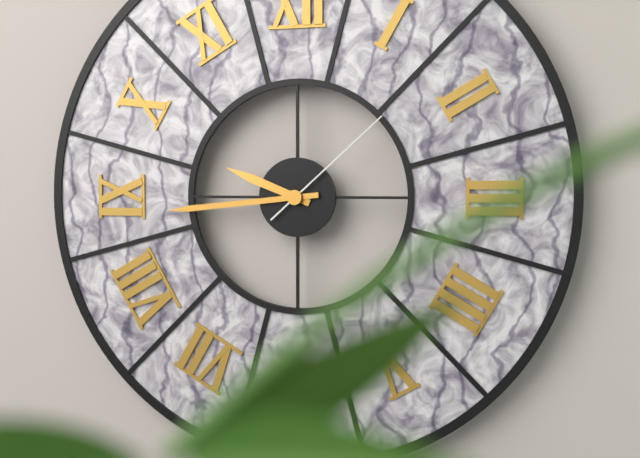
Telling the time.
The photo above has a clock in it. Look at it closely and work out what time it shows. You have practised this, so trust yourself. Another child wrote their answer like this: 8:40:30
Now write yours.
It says 9:44:08
